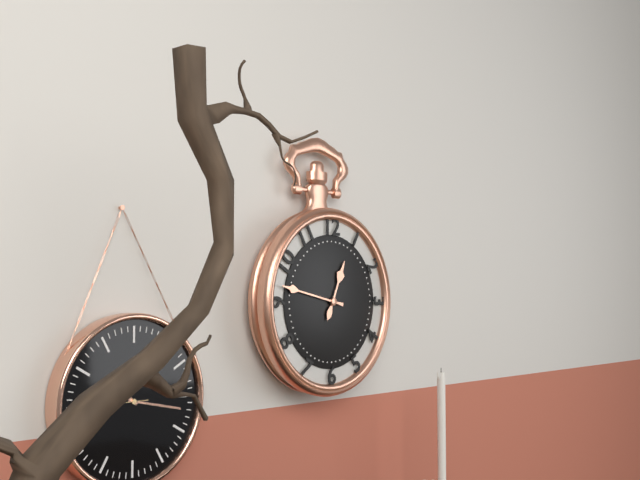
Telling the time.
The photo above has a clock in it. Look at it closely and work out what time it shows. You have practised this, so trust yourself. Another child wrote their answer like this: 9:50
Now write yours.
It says 12:47
